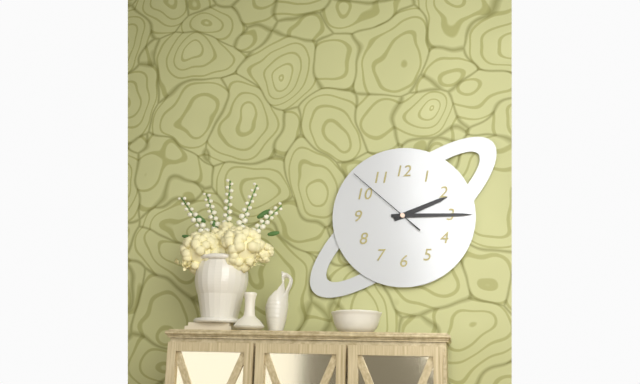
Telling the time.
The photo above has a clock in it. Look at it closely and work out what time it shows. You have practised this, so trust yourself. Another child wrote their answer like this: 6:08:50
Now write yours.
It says 2:15:52
